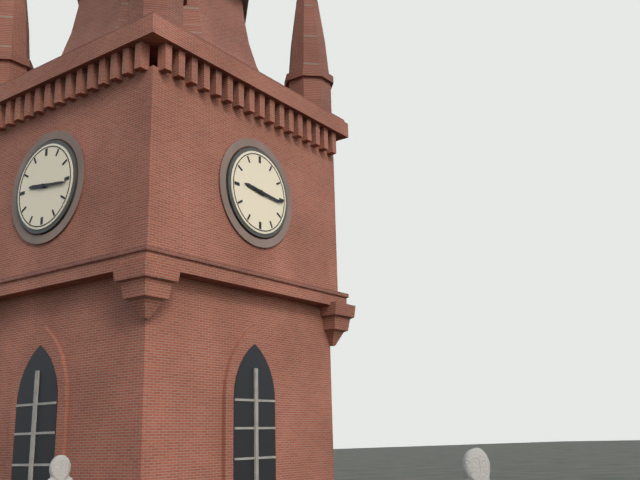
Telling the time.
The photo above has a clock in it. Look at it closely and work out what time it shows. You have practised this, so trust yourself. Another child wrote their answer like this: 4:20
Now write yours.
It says 9:16
